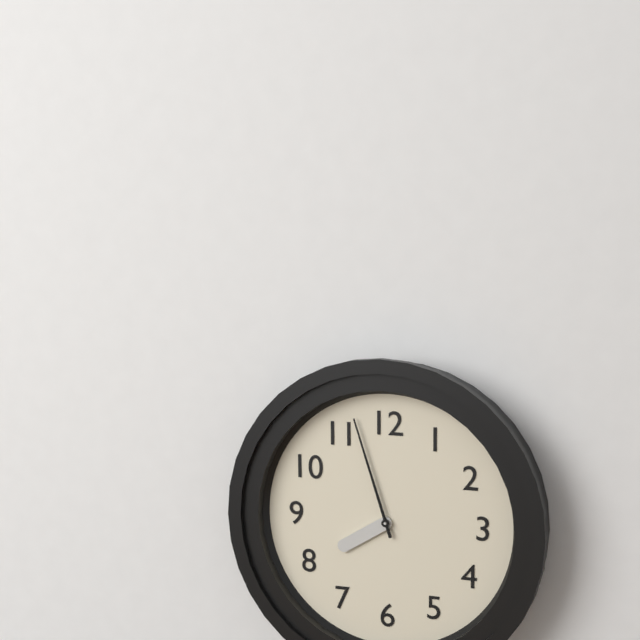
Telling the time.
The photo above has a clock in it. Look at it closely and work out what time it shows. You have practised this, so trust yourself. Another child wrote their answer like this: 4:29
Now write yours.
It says 7:57
